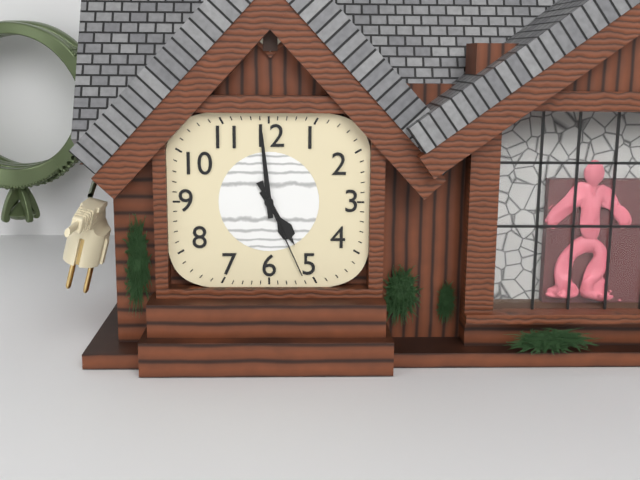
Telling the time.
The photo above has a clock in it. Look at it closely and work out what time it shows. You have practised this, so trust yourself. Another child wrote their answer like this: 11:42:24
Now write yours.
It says 4:59:26
